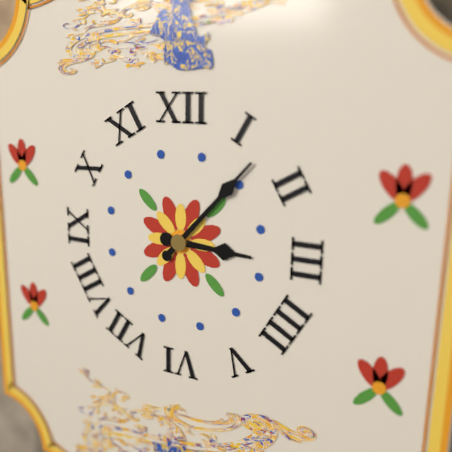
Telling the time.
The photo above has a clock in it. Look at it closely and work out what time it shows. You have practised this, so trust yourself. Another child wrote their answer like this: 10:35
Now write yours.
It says 3:07
